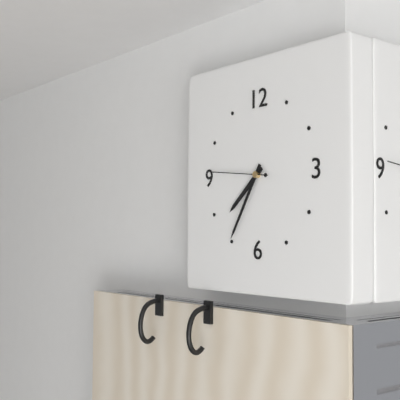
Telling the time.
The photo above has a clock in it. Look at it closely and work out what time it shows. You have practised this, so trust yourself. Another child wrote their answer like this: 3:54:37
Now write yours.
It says 7:35:46
